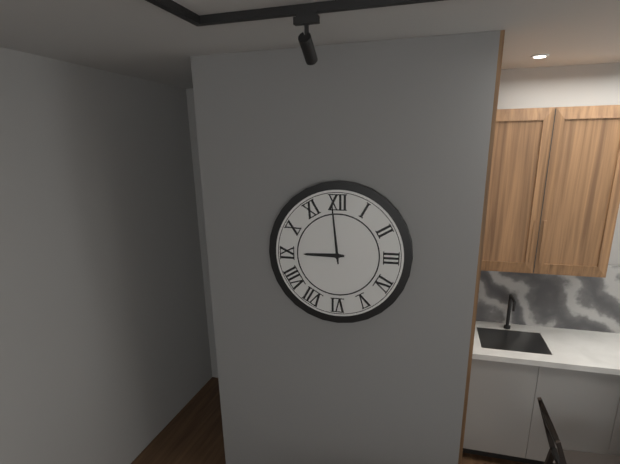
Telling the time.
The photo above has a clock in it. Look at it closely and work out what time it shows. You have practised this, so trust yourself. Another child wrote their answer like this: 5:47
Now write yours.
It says 8:59
